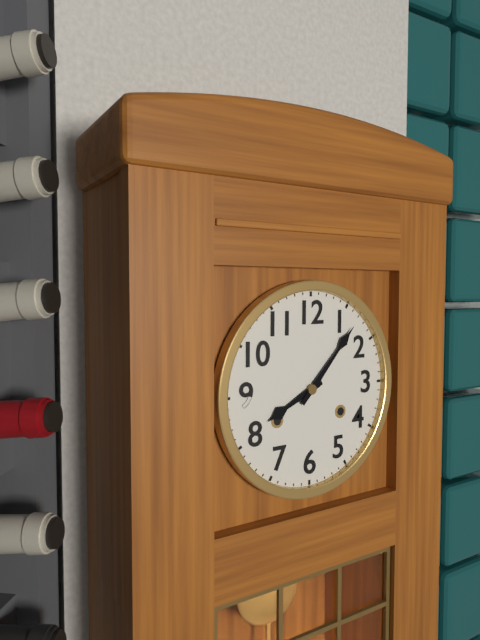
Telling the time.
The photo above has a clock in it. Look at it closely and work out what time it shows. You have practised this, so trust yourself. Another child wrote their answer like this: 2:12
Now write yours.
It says 8:07
